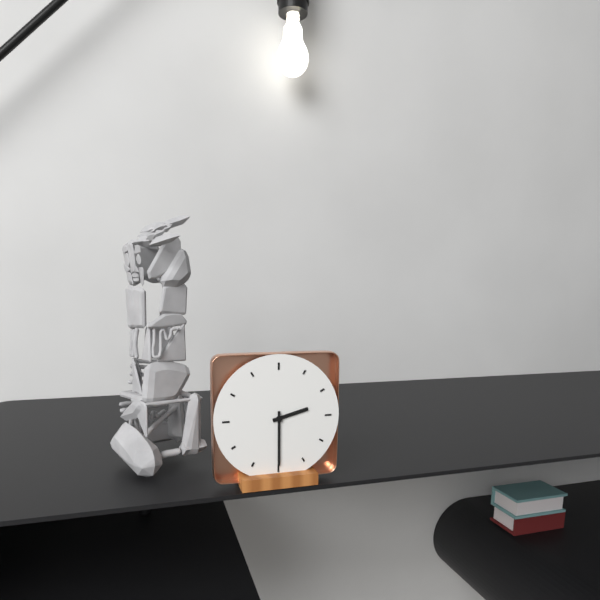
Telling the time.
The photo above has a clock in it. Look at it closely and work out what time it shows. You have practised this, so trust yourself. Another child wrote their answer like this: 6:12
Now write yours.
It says 2:30
